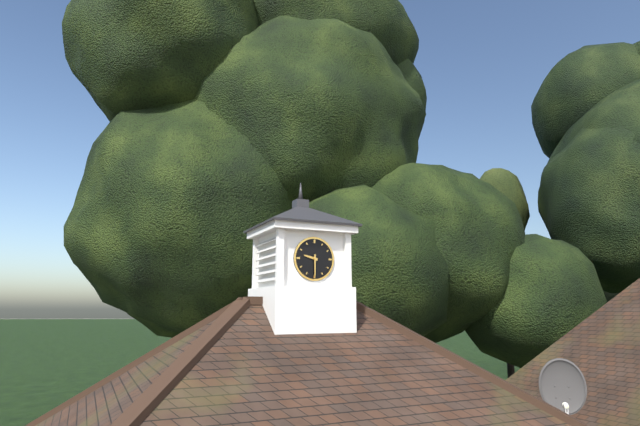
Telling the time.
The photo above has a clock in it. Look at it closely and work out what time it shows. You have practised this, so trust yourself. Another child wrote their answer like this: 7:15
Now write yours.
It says 9:30
